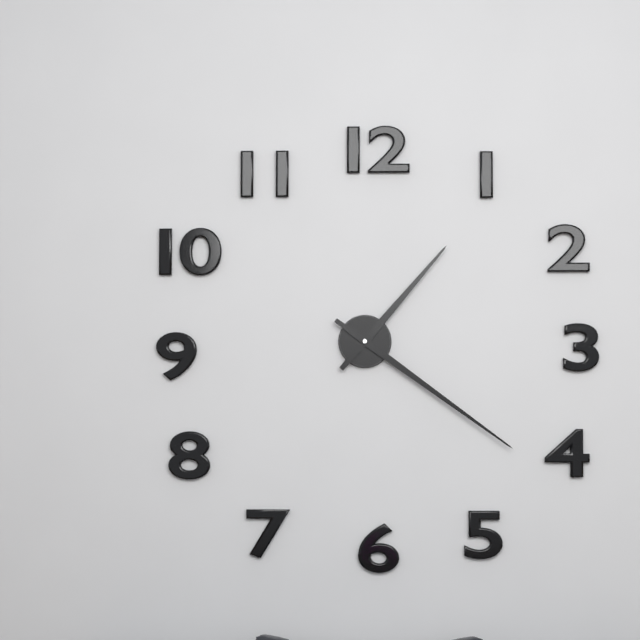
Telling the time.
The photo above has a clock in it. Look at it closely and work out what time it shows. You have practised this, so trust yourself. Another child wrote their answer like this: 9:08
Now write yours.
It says 1:21
